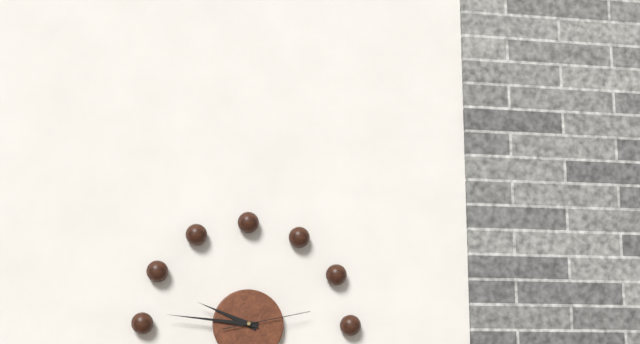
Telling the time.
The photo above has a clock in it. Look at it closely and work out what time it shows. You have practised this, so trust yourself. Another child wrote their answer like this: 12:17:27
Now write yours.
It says 9:46:13
